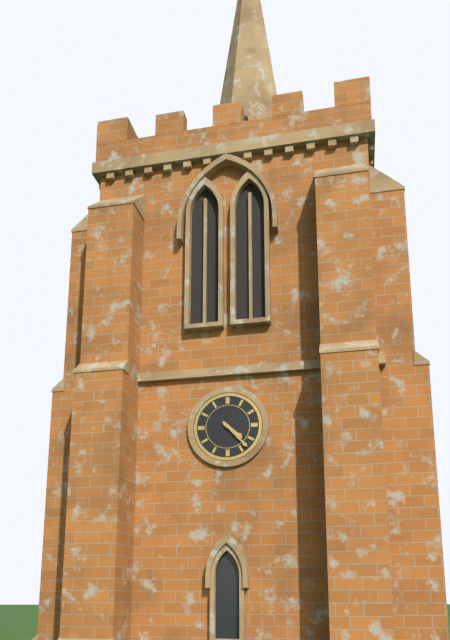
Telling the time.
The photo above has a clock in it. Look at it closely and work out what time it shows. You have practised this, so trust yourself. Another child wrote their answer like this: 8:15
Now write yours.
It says 4:23
